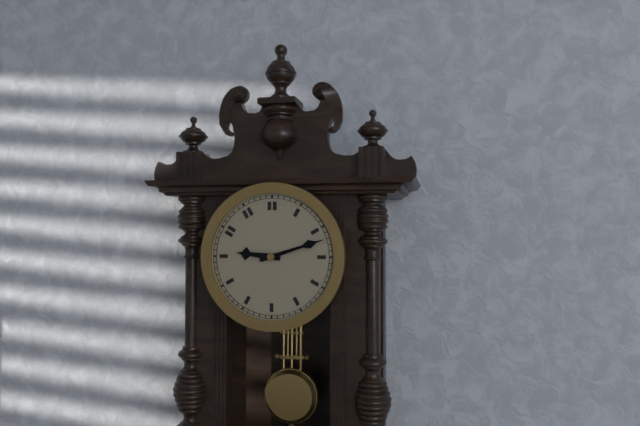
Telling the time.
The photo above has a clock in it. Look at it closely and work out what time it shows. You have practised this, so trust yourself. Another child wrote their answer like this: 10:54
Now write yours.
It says 9:12
